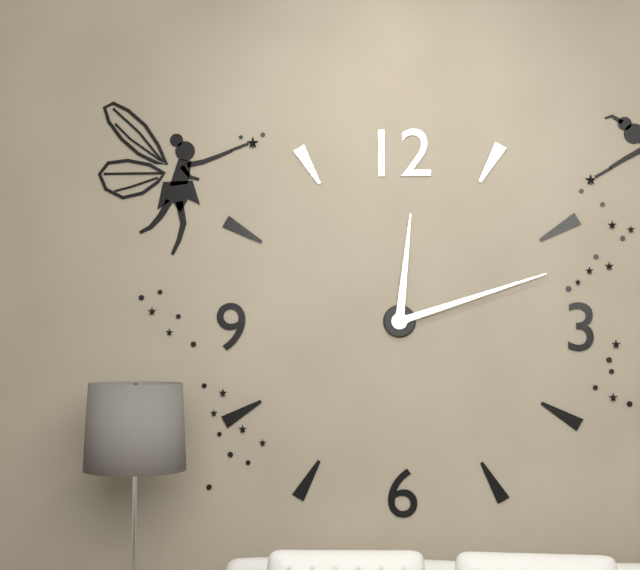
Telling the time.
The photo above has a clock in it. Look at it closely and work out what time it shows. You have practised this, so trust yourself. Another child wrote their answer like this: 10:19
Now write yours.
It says 12:12
